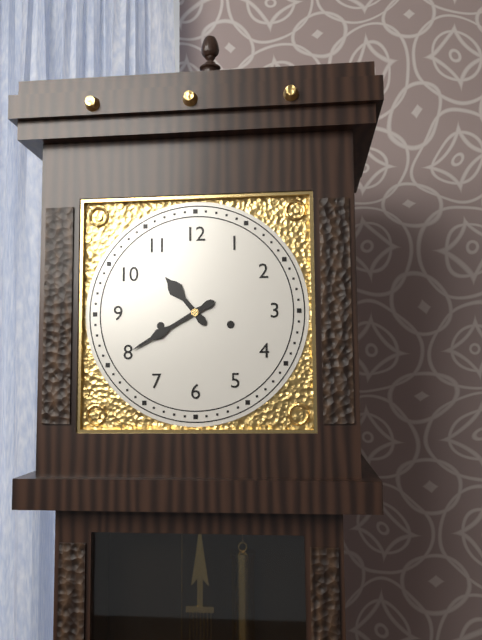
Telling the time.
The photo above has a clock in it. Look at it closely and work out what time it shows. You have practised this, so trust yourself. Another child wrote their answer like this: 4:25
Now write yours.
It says 10:40
